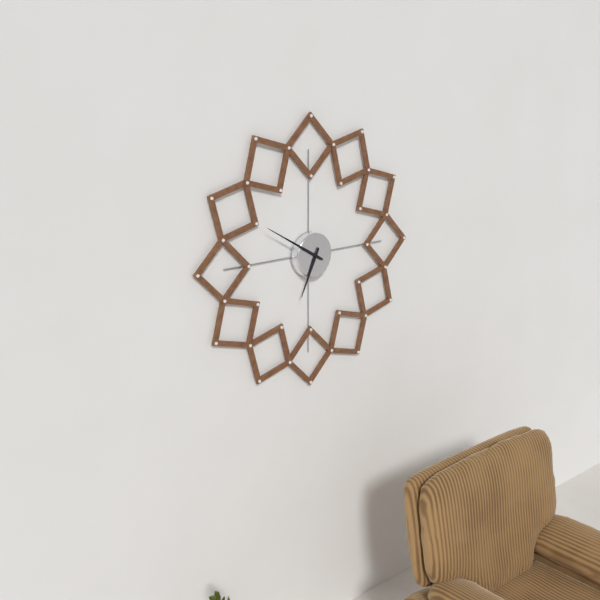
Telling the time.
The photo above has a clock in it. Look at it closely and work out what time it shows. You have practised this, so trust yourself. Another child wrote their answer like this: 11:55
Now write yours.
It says 6:50
